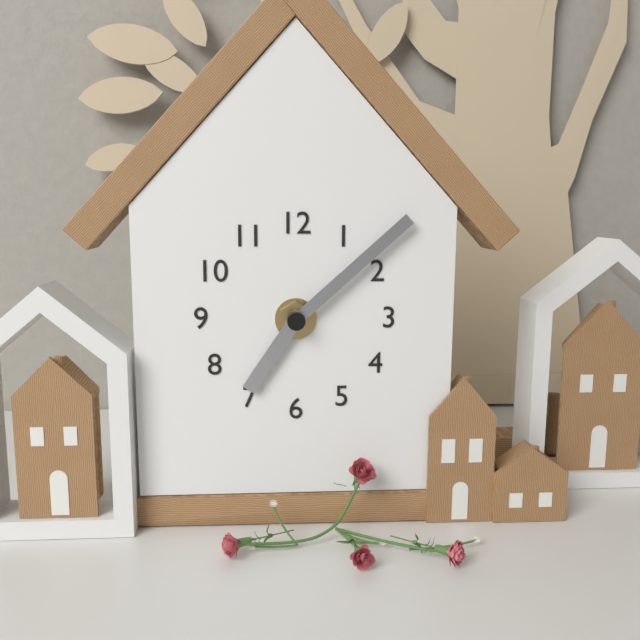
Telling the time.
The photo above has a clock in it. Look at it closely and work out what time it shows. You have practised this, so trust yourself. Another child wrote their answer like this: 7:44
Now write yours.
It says 7:08
